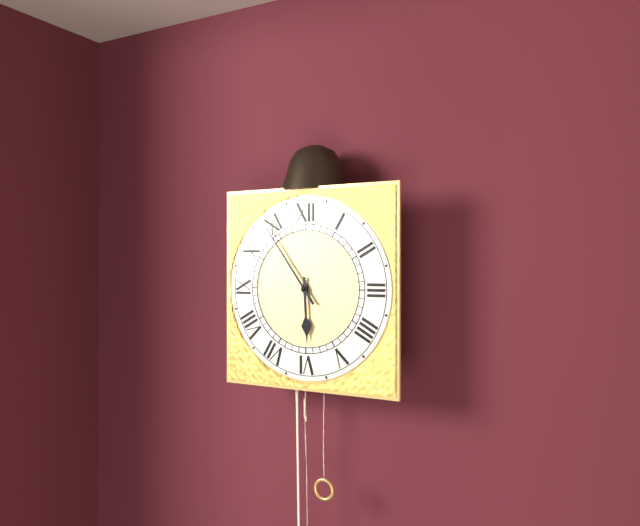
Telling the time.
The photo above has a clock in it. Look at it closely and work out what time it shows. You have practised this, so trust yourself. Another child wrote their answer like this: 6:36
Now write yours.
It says 5:54
